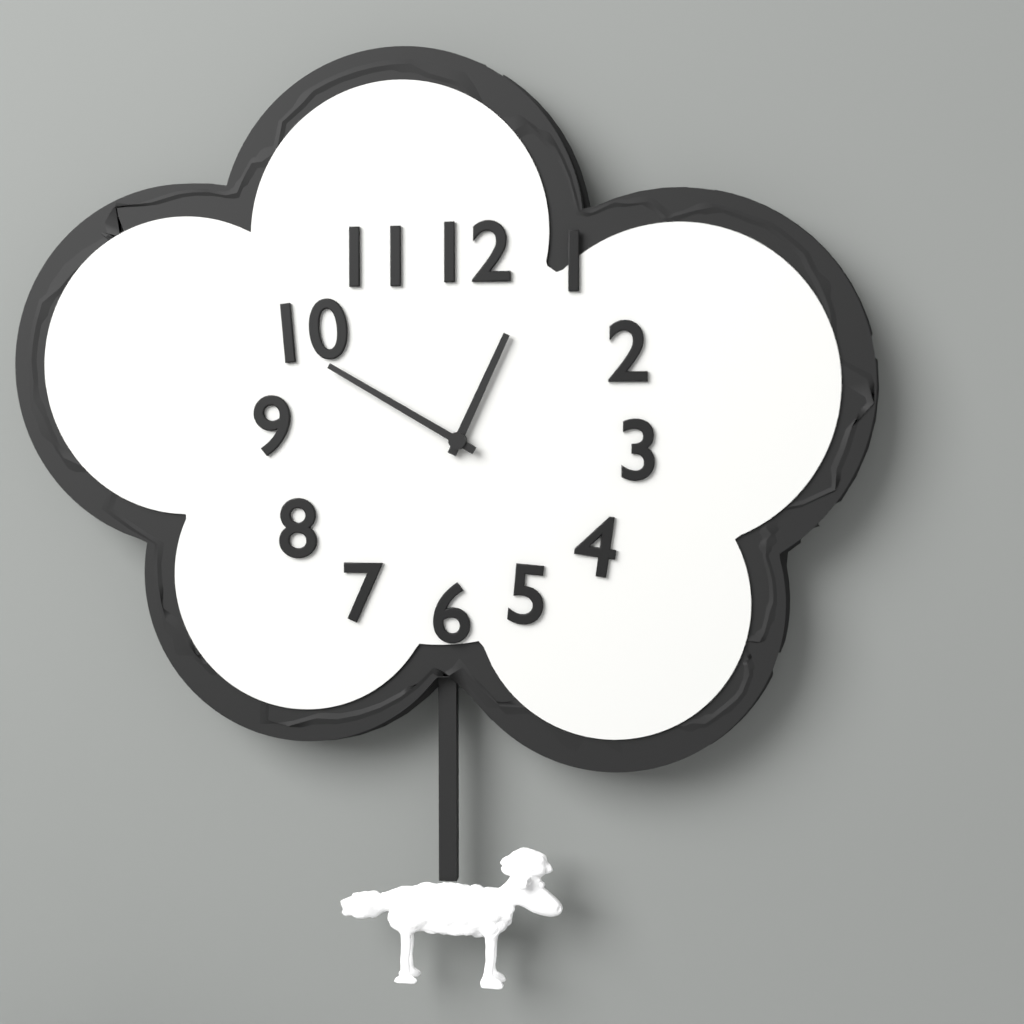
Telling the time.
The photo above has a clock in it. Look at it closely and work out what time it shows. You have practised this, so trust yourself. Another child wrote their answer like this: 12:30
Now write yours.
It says 12:50
